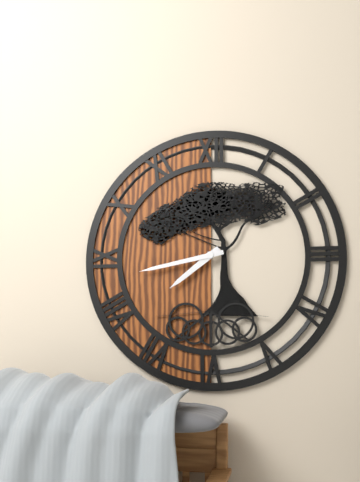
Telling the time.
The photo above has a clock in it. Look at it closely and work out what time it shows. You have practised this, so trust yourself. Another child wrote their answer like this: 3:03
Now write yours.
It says 7:43
